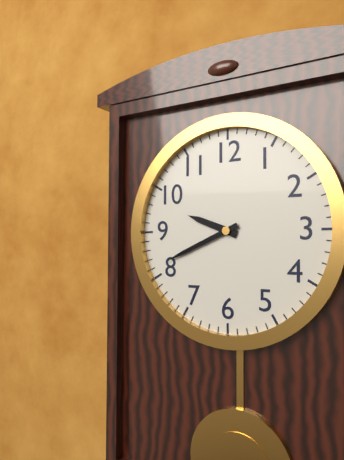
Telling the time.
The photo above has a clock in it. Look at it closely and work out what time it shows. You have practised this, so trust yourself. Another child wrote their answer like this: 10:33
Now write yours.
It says 9:41
